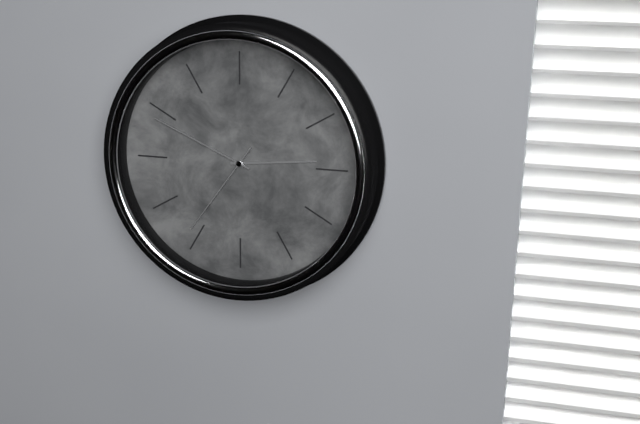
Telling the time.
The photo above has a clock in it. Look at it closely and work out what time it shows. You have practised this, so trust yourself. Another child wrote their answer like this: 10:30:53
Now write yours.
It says 2:49:36
